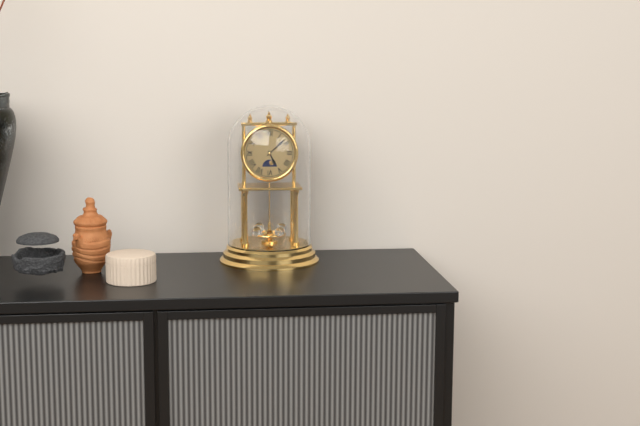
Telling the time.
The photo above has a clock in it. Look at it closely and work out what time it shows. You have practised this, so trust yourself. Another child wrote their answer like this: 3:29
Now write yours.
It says 5:08
